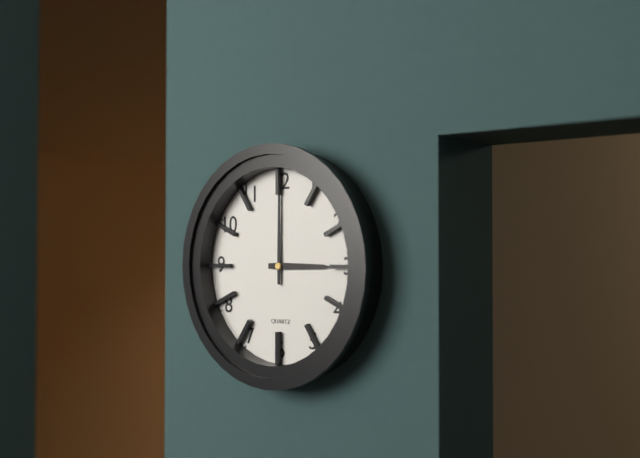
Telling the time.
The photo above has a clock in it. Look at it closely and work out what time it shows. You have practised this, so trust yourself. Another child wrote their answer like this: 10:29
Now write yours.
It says 3:00
